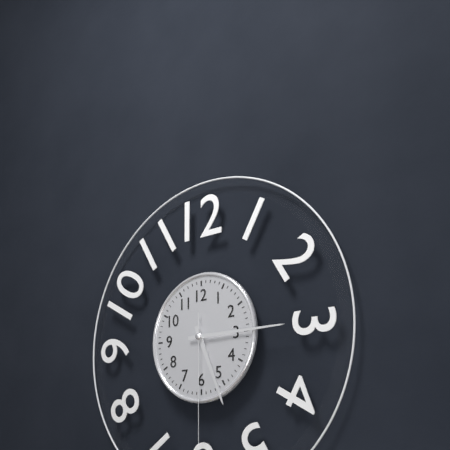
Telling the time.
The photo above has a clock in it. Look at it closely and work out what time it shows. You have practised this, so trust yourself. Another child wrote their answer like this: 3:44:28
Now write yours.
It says 5:15:30
